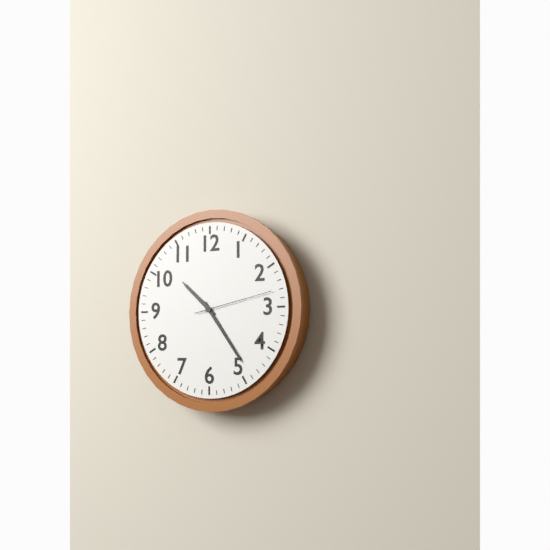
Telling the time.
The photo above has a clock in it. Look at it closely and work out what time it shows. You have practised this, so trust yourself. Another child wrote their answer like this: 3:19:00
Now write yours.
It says 10:24:13
